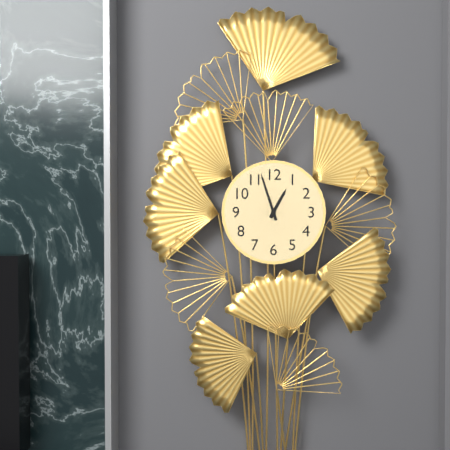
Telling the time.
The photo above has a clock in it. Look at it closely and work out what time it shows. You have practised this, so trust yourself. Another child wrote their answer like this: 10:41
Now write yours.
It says 12:57
